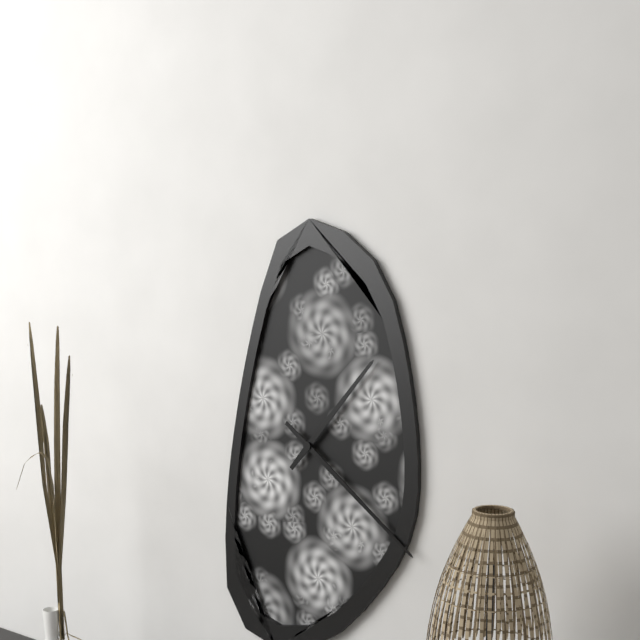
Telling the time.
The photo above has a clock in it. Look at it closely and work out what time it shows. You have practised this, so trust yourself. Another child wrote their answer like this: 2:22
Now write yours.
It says 1:21
